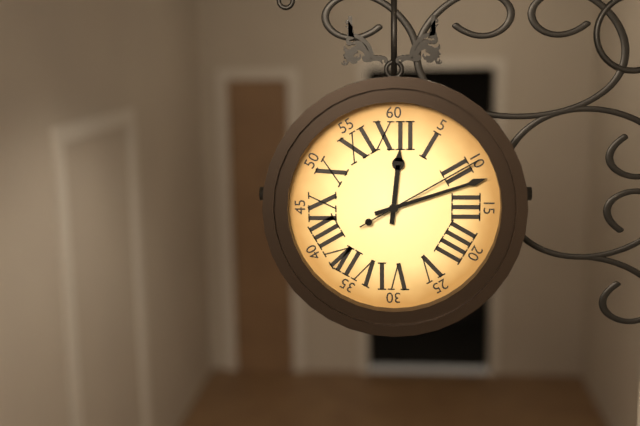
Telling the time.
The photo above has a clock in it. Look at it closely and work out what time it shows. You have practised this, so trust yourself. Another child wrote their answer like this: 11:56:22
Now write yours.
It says 12:12:10
